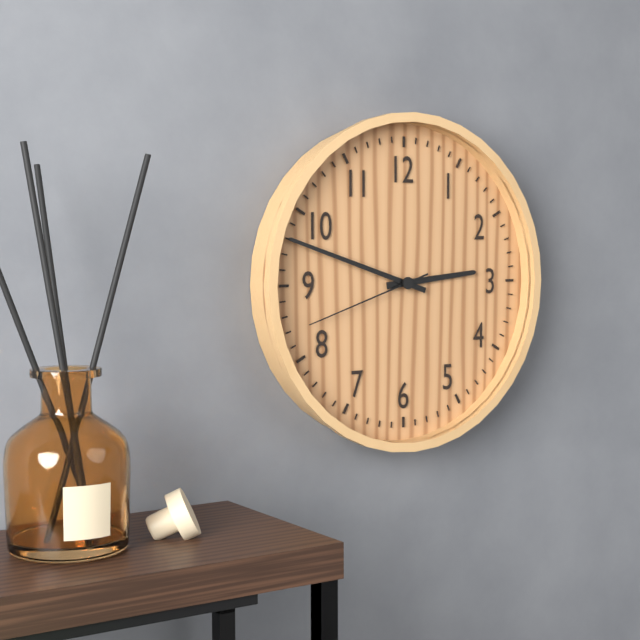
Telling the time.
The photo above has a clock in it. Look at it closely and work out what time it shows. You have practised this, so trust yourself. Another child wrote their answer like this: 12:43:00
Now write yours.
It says 2:48:42
